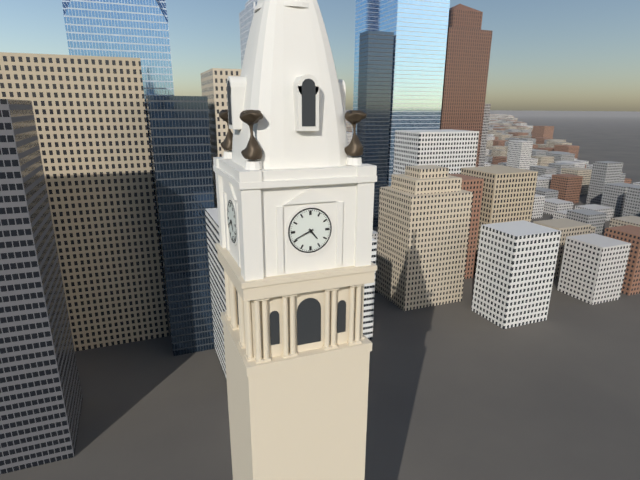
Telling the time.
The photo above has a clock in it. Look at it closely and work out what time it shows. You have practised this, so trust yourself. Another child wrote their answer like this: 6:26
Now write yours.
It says 4:41
